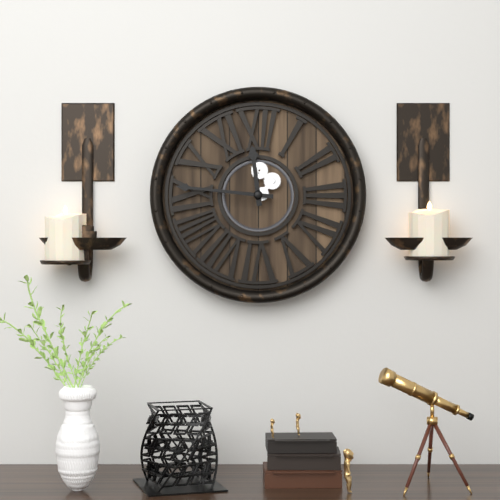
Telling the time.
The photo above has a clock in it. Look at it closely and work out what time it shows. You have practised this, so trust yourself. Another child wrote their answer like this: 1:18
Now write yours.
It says 11:46
